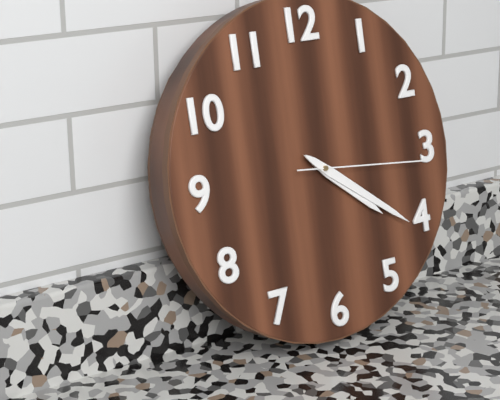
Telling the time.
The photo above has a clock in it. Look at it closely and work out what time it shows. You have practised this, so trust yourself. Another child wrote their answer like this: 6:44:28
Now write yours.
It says 4:21:16
